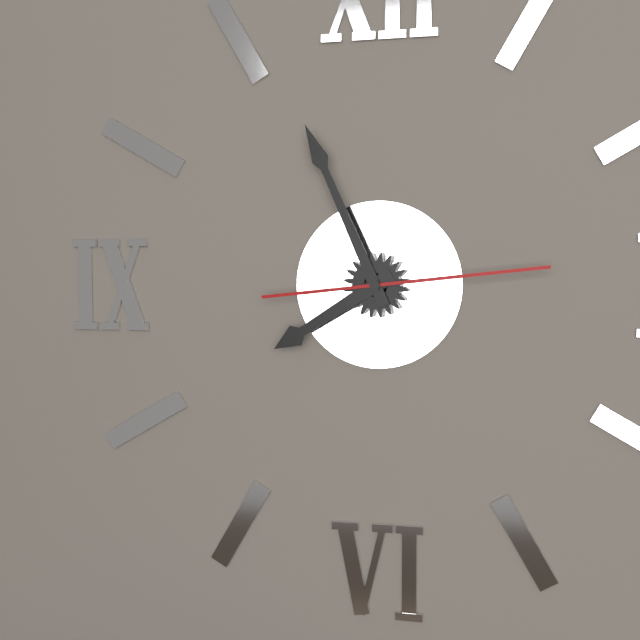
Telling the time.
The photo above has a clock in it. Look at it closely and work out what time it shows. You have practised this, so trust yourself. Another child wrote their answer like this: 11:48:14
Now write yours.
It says 7:56:14
